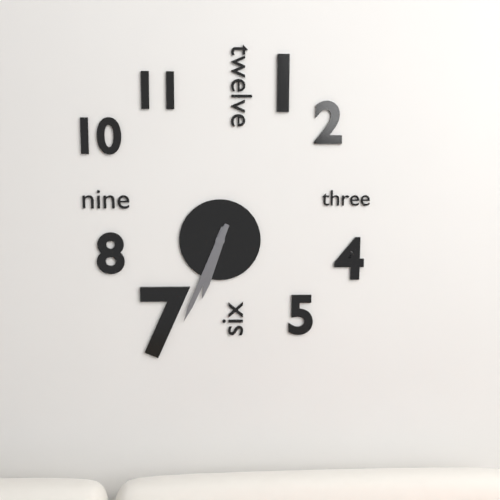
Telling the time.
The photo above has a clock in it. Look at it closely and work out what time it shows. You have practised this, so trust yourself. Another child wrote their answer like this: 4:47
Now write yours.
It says 6:34
